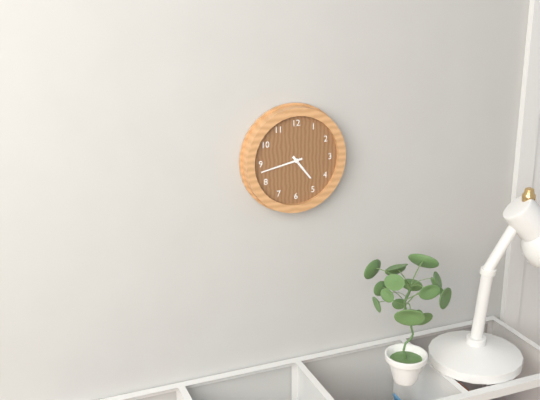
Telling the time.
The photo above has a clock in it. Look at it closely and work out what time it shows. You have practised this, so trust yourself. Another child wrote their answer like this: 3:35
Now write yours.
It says 4:43
